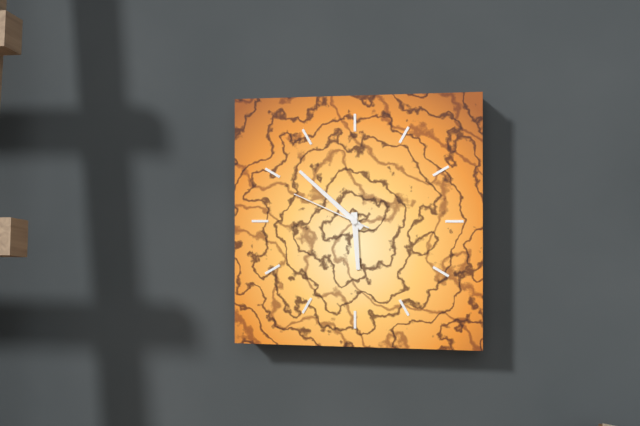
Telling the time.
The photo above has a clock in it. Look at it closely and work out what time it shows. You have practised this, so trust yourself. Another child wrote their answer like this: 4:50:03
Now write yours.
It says 5:52:49
